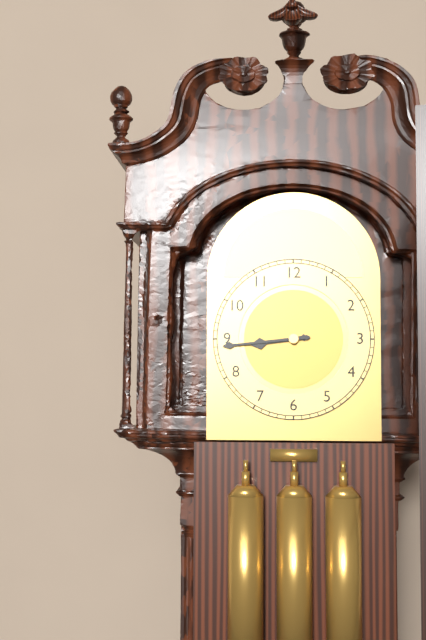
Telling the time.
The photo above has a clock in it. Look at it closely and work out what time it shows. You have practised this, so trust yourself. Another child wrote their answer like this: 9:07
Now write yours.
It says 8:44
